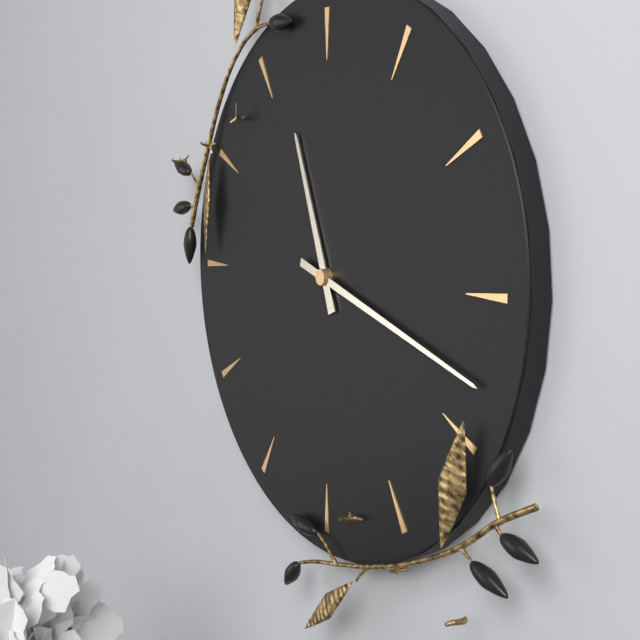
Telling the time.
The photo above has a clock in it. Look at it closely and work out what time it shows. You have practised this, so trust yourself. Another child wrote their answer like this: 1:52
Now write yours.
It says 11:18
